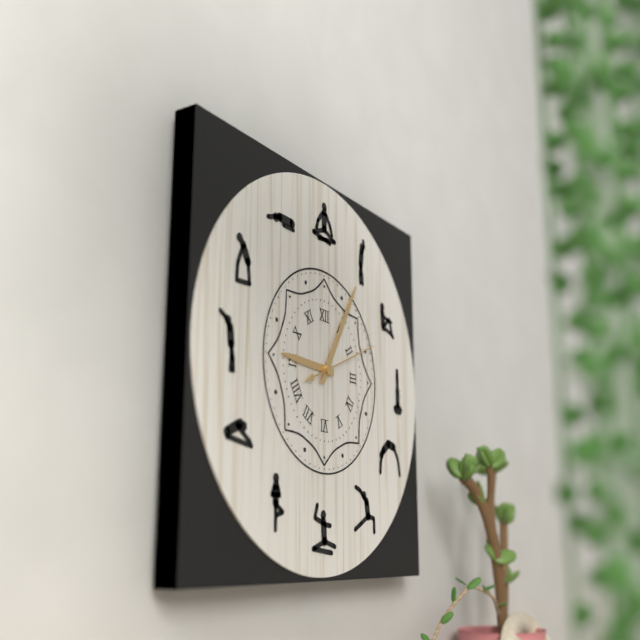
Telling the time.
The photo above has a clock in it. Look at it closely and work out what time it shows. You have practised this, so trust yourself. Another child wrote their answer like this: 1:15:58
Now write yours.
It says 9:05:11
